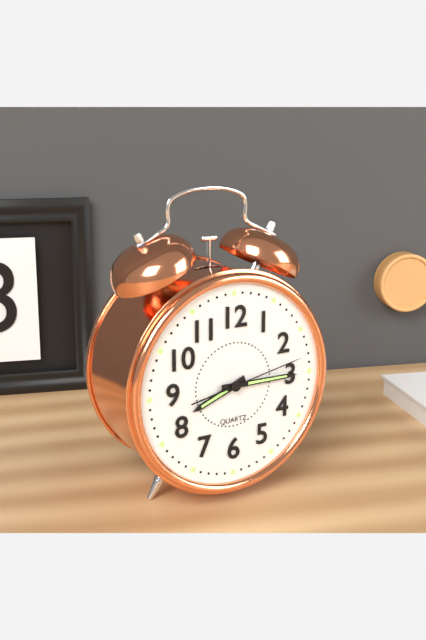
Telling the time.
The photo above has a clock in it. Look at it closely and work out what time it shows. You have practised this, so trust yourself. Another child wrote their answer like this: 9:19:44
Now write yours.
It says 8:15:13
